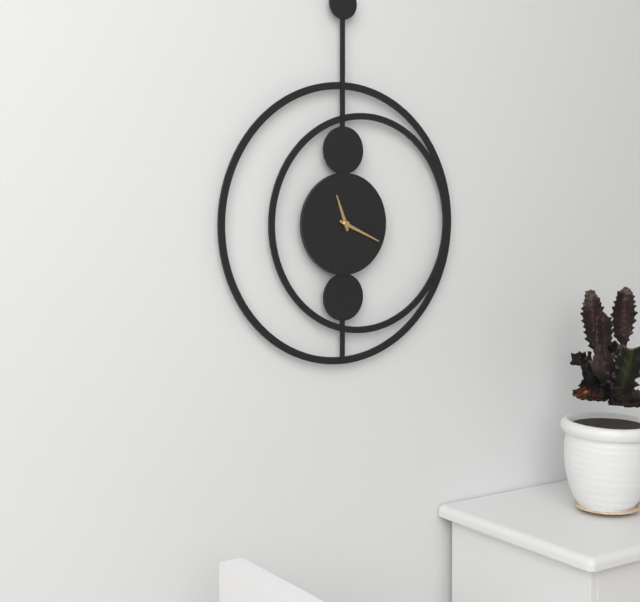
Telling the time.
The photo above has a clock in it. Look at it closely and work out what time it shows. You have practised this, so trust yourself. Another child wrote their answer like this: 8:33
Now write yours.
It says 11:19
